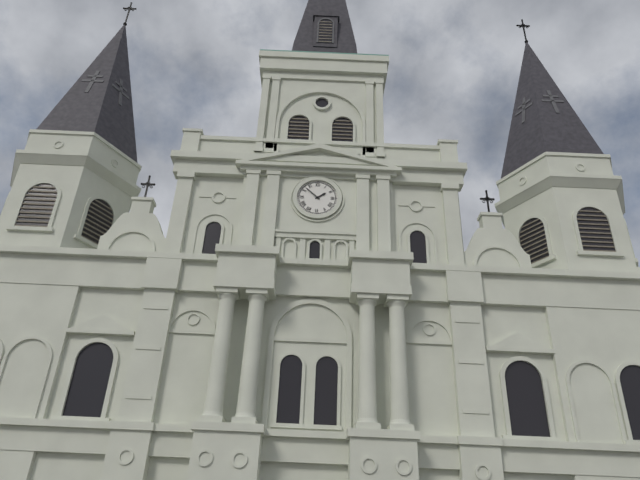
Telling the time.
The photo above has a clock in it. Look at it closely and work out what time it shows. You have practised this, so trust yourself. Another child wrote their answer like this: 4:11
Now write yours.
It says 1:52
